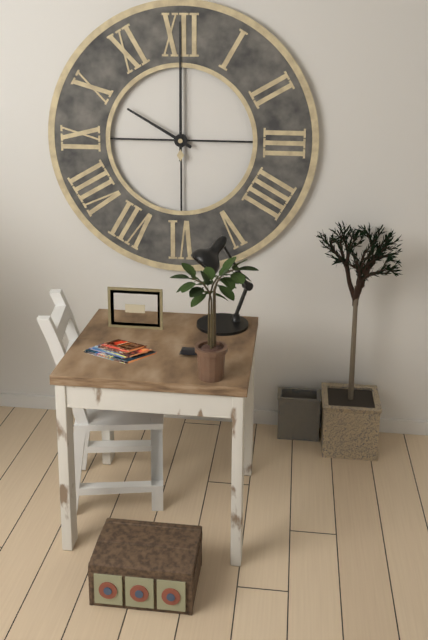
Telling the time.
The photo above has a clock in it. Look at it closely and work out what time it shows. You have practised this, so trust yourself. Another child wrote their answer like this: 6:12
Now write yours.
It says 10:00
